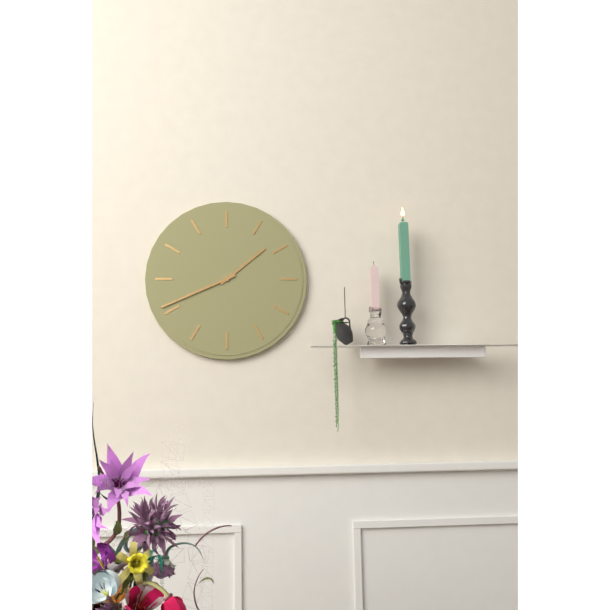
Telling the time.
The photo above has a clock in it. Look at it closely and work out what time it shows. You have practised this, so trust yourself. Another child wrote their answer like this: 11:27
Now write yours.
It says 1:41
